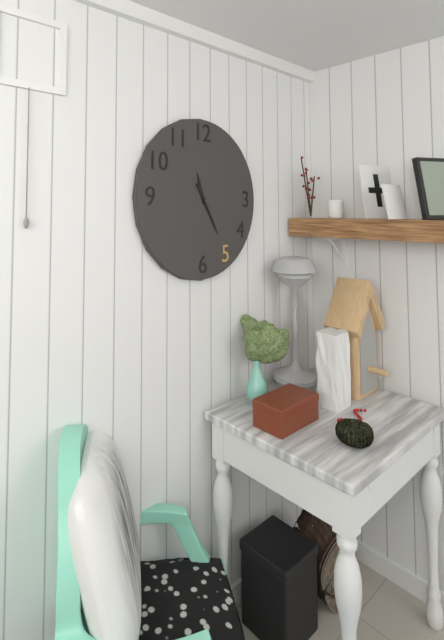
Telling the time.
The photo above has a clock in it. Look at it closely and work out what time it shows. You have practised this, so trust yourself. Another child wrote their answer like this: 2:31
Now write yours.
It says 11:25
